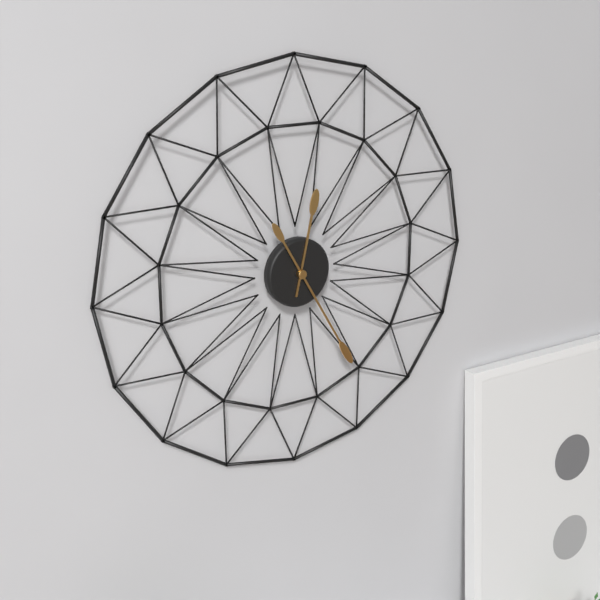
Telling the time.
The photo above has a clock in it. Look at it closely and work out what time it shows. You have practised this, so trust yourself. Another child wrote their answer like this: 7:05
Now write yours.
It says 12:25
